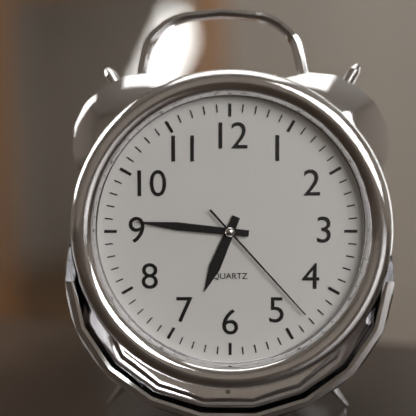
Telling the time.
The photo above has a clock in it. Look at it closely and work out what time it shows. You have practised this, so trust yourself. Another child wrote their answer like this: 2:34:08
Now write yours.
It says 6:46:23
